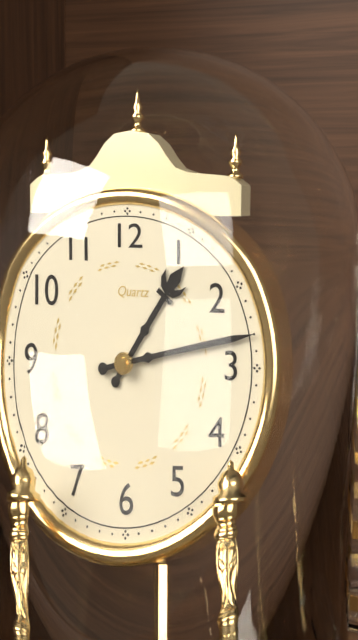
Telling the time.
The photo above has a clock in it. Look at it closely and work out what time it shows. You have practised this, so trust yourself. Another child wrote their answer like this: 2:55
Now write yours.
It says 1:13
